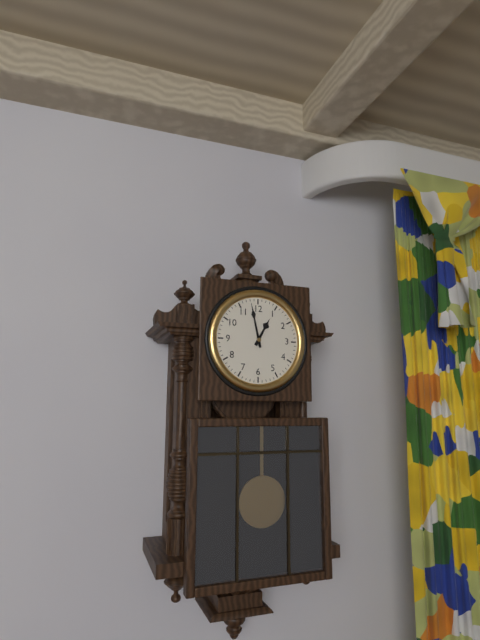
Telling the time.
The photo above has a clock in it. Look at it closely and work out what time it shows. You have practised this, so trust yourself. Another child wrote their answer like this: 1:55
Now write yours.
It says 12:58
